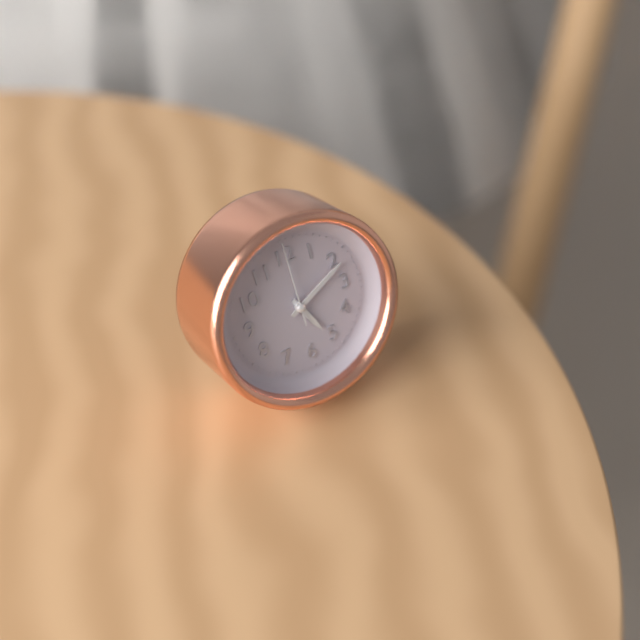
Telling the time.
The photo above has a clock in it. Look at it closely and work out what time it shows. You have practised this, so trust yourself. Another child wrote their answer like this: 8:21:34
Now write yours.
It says 5:11:00
